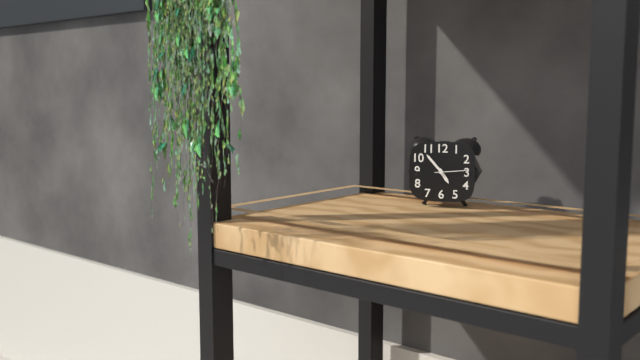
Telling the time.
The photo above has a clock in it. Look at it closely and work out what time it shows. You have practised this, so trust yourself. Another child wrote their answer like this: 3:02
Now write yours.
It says 4:53
